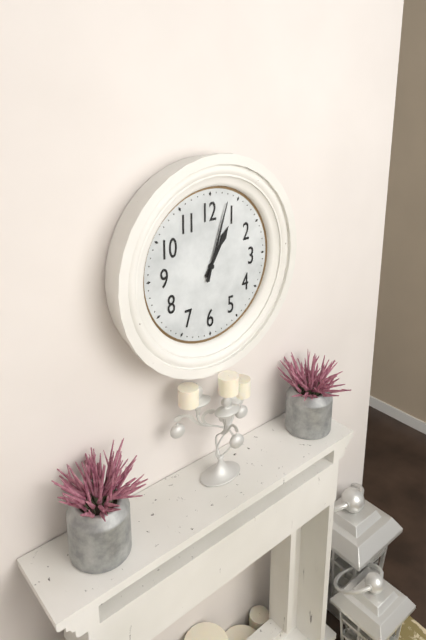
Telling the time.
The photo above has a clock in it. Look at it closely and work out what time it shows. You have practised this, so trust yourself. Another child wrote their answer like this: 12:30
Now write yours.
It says 1:03
